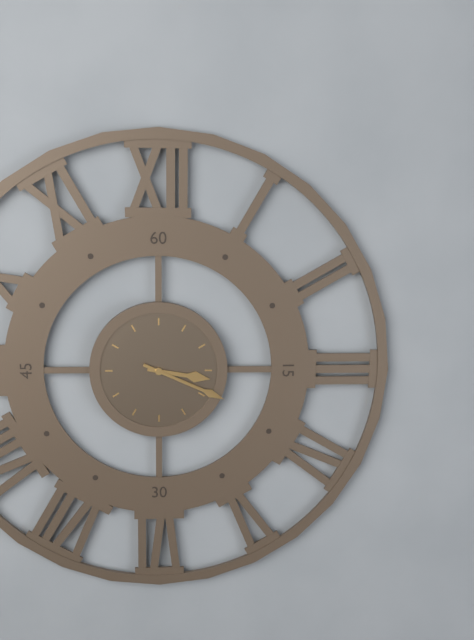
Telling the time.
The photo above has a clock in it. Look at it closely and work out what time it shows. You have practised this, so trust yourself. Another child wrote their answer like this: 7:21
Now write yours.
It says 3:19
